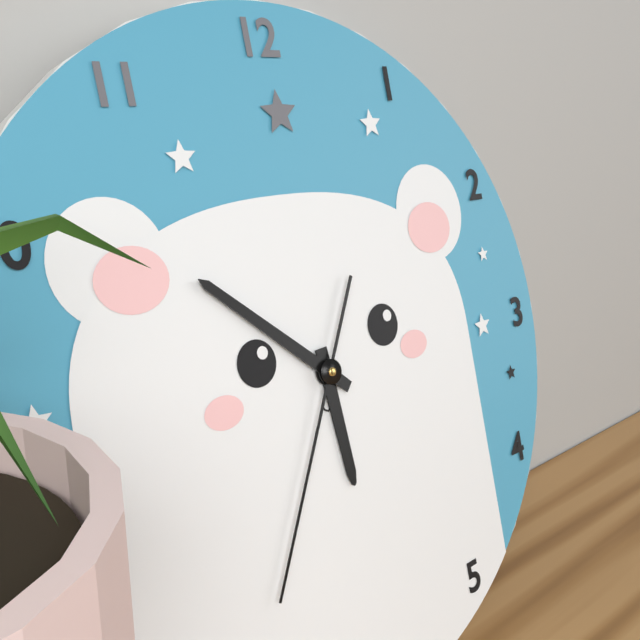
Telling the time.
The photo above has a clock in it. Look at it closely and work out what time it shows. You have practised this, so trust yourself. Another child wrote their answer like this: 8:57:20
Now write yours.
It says 5:52:35
